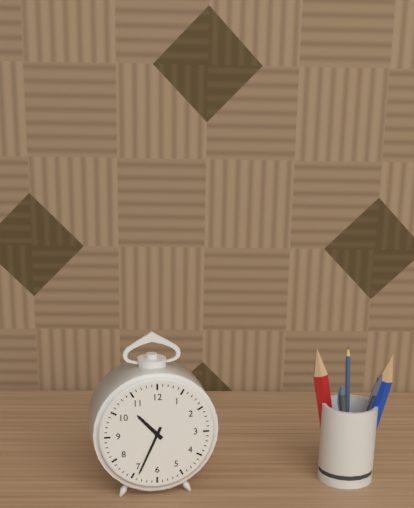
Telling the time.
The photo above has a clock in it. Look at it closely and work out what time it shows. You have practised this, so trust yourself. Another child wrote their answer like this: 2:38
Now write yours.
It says 10:34
